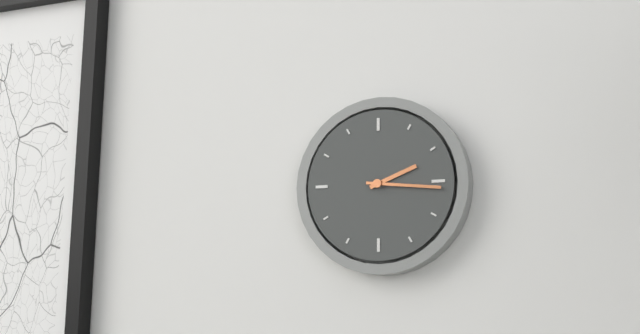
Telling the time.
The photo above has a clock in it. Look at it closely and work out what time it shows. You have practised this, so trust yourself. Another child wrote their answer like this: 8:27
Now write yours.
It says 2:16
